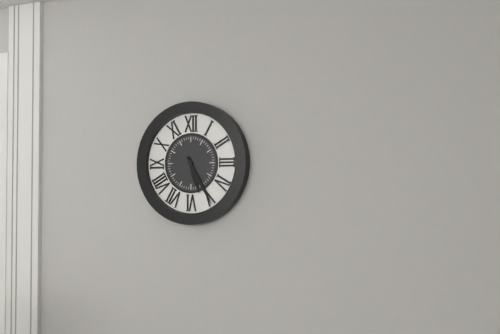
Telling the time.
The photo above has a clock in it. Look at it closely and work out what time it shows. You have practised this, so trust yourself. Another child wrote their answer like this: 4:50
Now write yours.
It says 5:25
